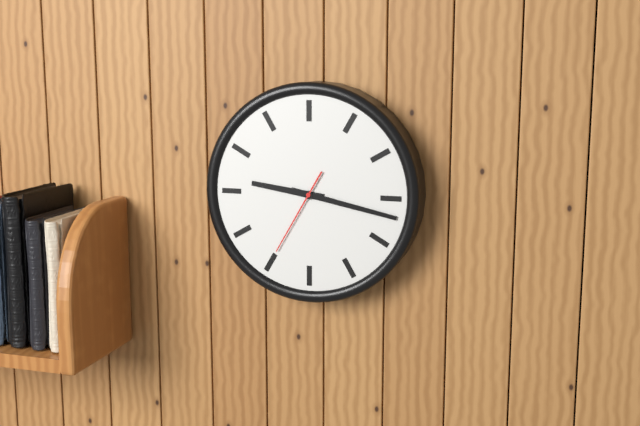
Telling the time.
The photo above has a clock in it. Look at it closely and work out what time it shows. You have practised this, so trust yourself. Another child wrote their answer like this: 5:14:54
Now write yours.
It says 9:17:35
